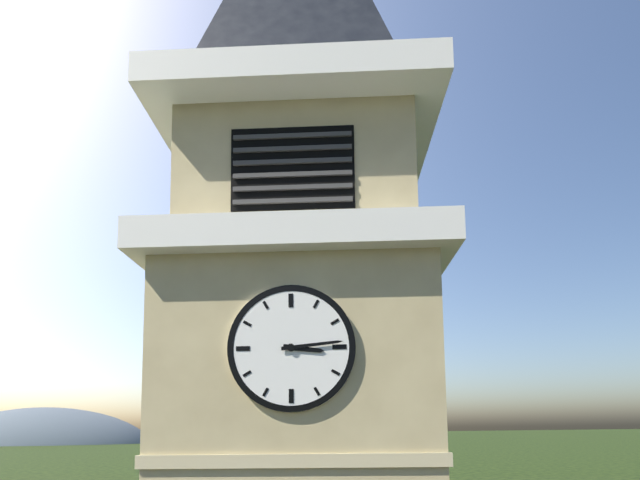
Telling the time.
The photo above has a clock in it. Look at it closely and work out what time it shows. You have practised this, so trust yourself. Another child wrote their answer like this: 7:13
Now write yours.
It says 3:14
